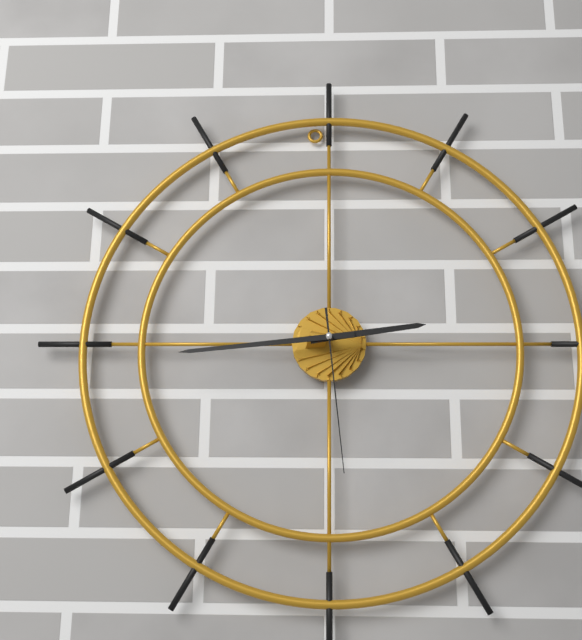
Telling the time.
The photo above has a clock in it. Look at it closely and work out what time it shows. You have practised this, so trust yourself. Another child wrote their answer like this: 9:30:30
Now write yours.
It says 2:44:29
